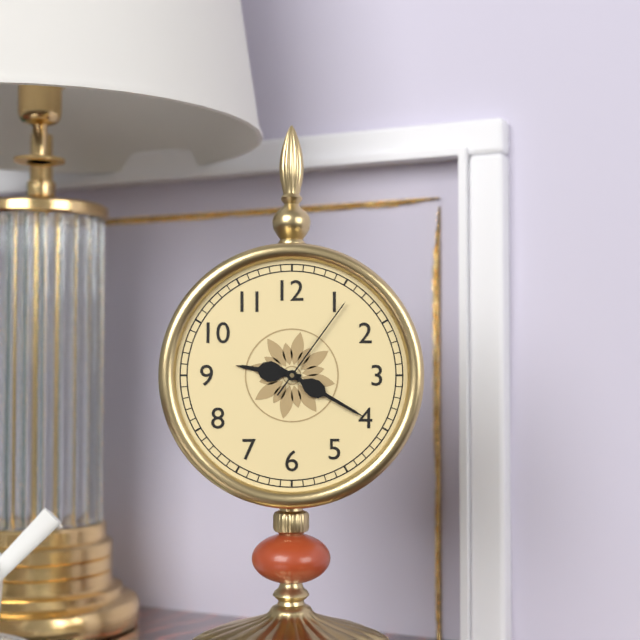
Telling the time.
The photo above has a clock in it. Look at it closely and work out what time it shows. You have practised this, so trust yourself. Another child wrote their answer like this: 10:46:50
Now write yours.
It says 9:20:06
